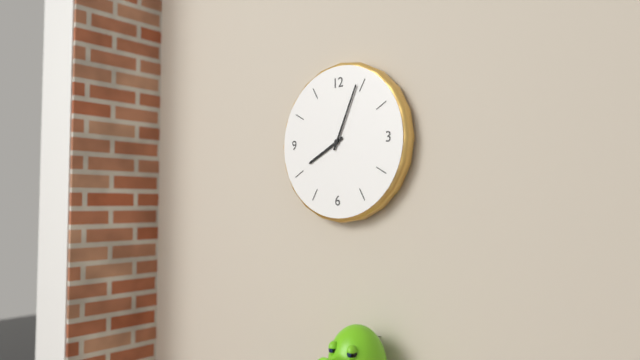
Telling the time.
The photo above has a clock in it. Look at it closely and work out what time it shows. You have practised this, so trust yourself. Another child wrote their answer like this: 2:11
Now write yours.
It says 8:04
